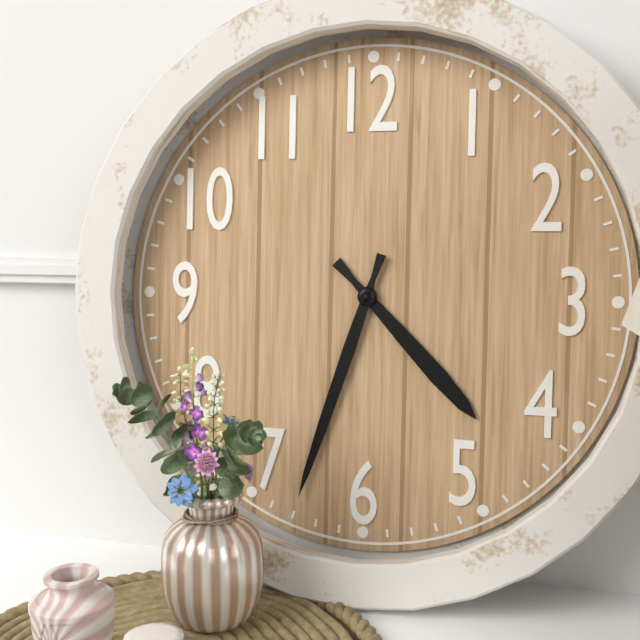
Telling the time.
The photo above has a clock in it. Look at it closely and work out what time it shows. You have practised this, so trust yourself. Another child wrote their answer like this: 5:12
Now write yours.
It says 4:33
